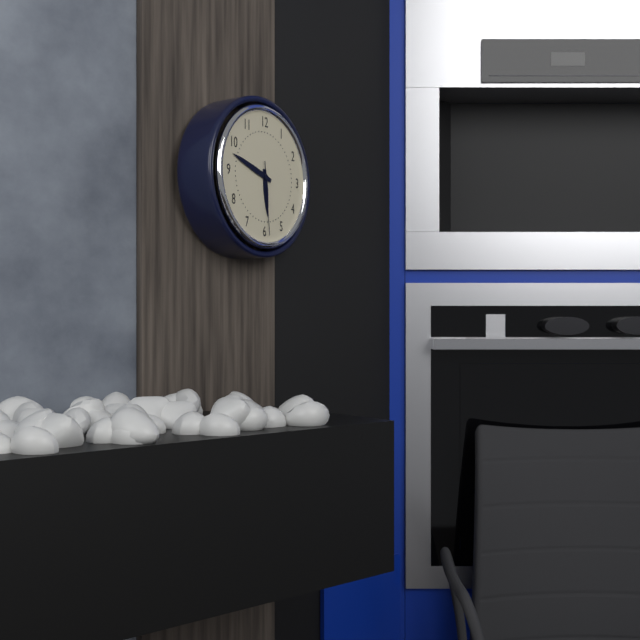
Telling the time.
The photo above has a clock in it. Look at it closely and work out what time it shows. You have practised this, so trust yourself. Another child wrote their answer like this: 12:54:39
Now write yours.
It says 5:48:29
